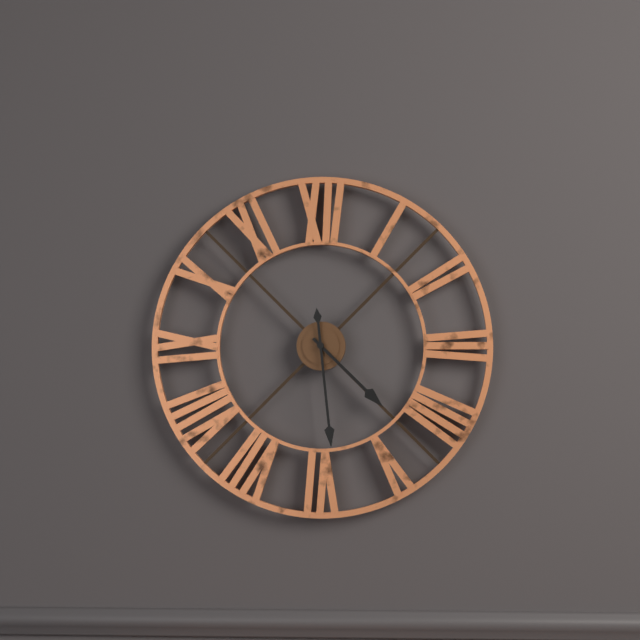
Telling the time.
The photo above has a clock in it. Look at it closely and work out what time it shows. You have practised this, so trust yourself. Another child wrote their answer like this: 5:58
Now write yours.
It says 4:29
